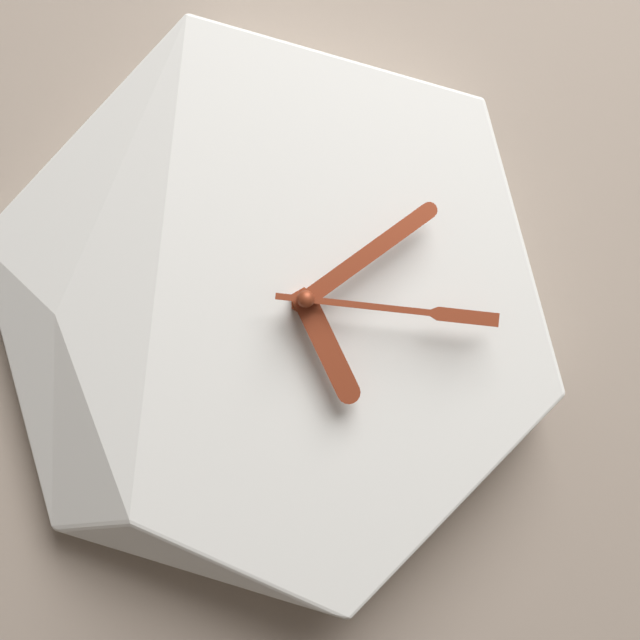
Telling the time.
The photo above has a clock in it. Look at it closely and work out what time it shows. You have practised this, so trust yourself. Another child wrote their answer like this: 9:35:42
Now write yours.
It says 5:09:16
